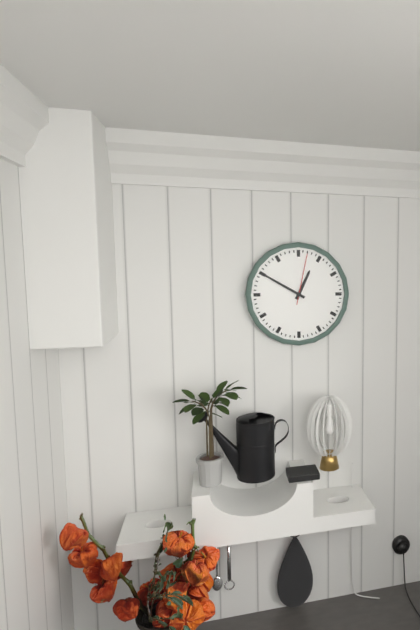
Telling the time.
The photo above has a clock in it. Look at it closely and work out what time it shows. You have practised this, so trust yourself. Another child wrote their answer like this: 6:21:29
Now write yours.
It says 12:50:02
